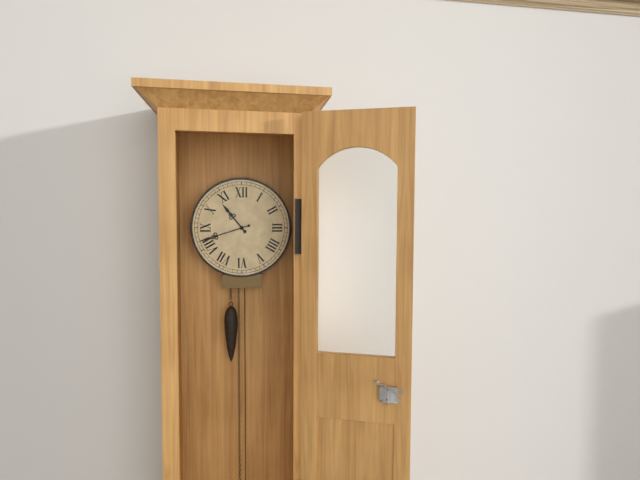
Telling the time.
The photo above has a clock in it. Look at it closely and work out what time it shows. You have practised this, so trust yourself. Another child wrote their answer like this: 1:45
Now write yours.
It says 10:42
